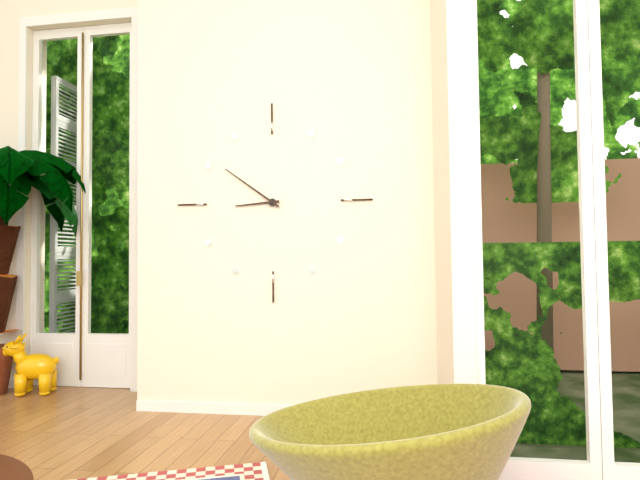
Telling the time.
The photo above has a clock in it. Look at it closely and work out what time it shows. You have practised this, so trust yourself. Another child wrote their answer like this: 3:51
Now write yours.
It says 8:51
